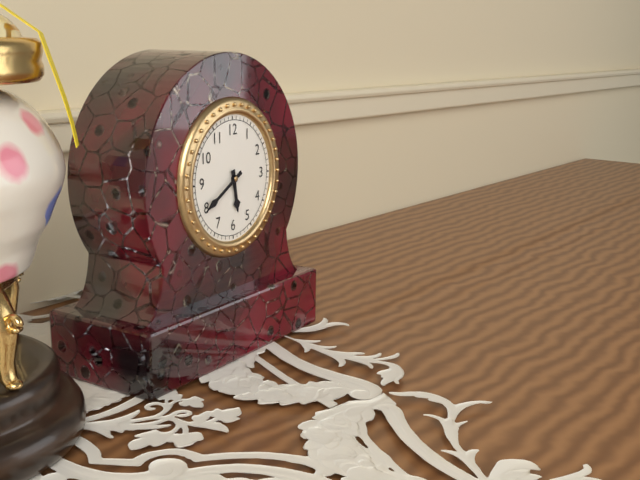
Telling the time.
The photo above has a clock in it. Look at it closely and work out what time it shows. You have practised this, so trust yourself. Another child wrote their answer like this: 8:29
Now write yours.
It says 5:40
